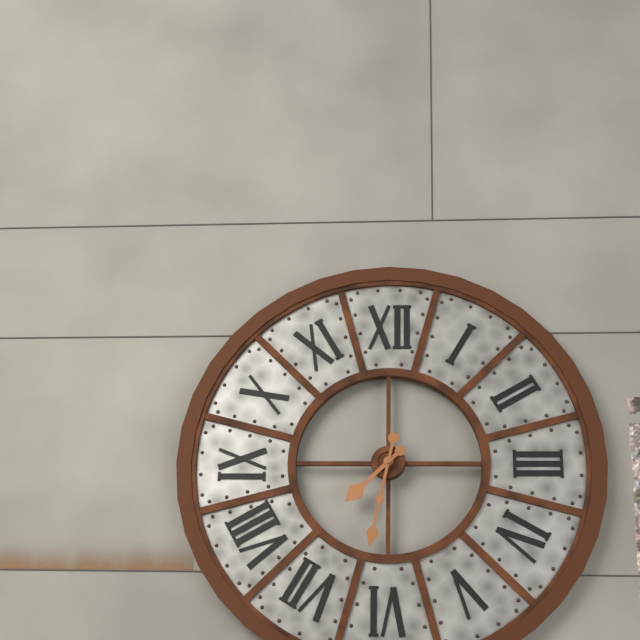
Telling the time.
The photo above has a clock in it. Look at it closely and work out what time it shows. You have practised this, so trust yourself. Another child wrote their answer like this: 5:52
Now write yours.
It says 7:32
